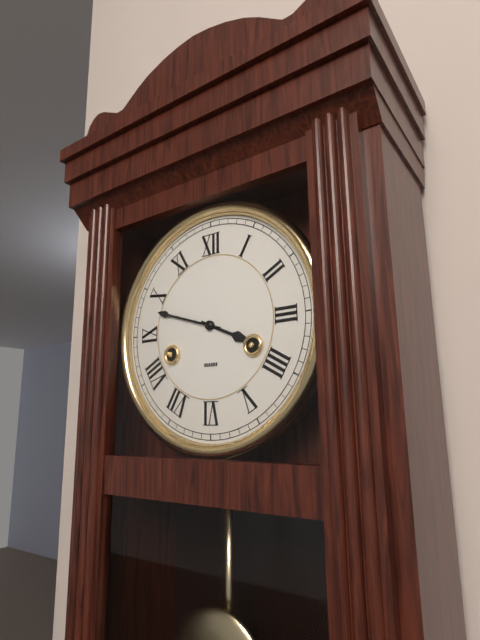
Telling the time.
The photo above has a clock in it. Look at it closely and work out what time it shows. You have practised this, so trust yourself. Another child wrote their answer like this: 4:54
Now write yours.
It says 3:48
